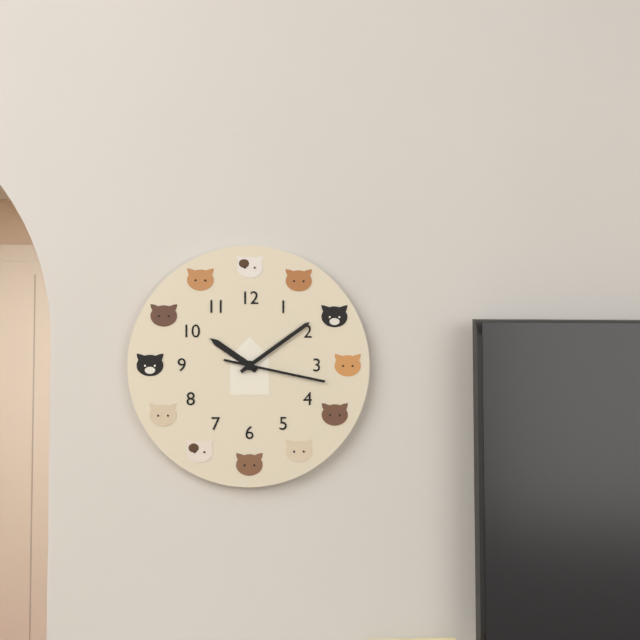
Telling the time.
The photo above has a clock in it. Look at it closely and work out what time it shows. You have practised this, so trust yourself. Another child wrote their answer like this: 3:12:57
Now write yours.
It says 10:09:17
